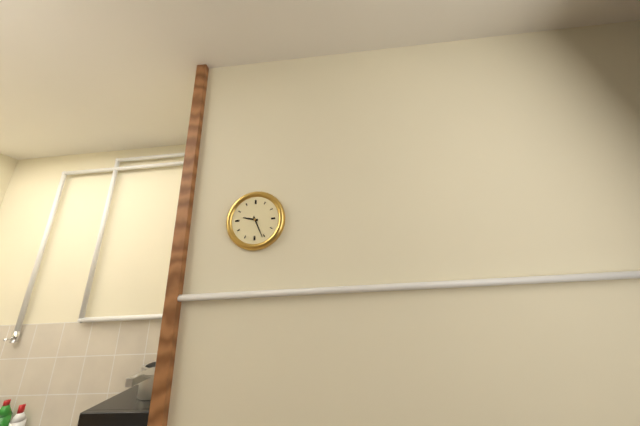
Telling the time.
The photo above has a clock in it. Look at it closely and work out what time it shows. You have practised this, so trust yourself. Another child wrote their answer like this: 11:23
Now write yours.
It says 9:26
